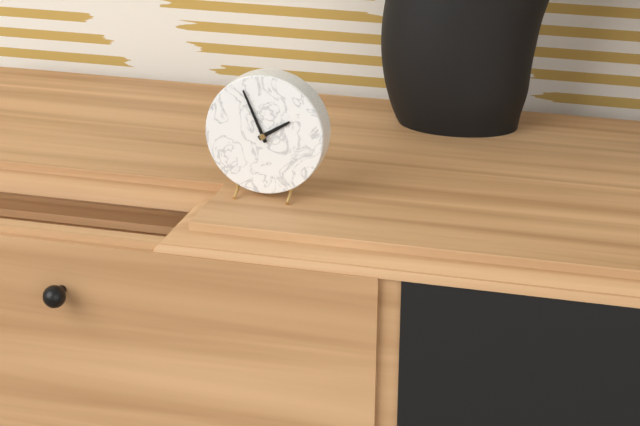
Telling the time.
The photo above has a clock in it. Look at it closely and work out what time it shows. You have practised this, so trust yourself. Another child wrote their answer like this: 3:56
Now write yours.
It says 1:56
